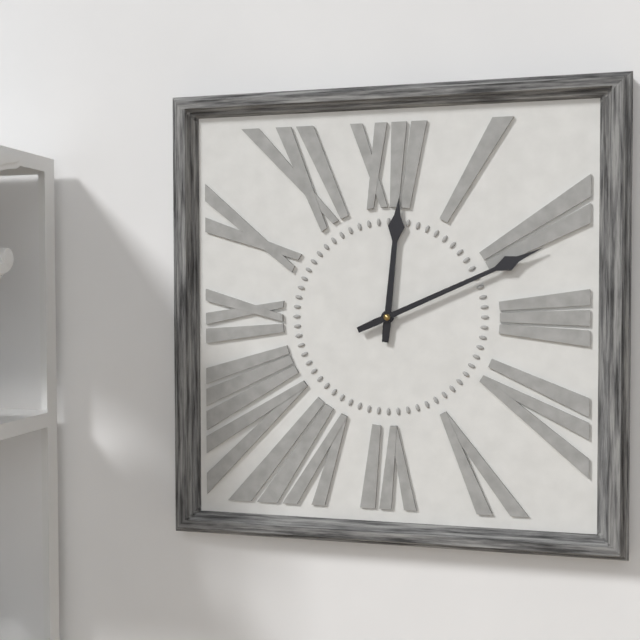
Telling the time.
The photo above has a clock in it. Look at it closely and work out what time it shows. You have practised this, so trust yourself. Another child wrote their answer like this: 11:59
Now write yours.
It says 12:11
